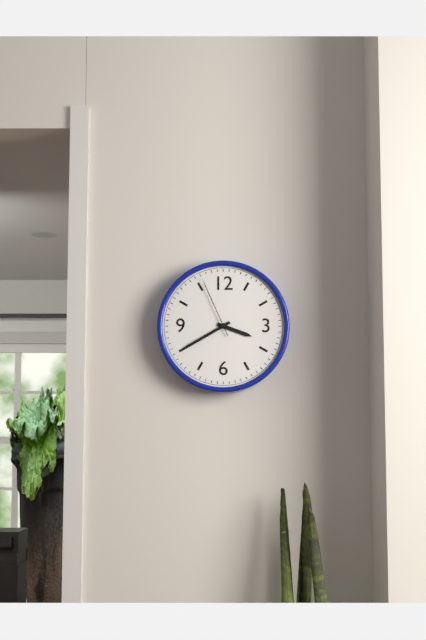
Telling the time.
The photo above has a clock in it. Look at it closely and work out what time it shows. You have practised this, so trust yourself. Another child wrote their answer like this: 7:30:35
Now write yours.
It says 3:40:56
